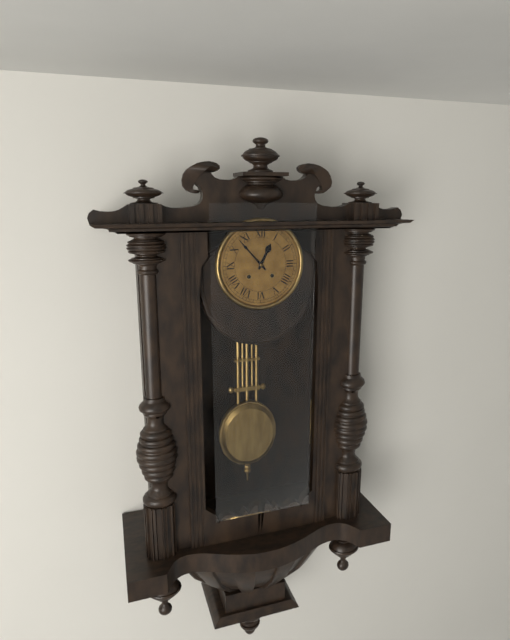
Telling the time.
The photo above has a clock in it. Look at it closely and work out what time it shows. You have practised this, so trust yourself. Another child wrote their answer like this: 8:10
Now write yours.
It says 12:53
